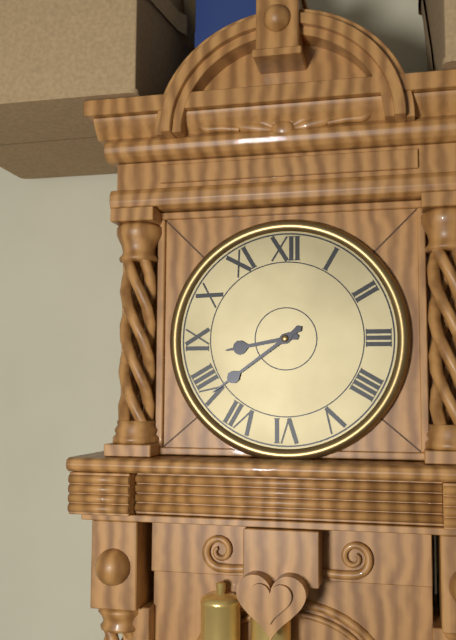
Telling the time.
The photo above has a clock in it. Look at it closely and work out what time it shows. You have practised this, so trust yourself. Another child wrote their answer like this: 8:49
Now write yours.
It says 8:39
